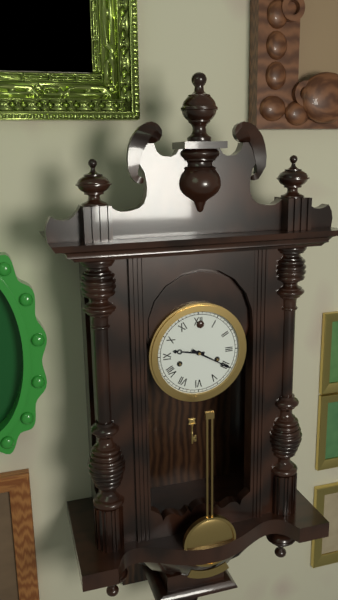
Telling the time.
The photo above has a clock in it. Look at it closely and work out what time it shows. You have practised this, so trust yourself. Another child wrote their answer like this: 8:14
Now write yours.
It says 9:20
